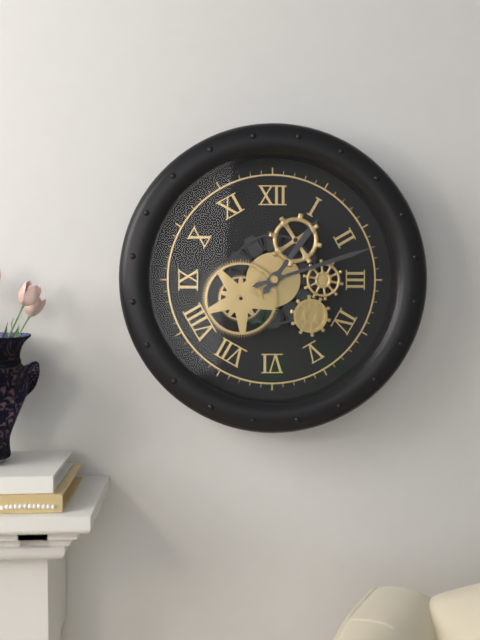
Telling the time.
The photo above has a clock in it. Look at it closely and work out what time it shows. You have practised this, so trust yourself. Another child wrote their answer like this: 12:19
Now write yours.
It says 1:12
